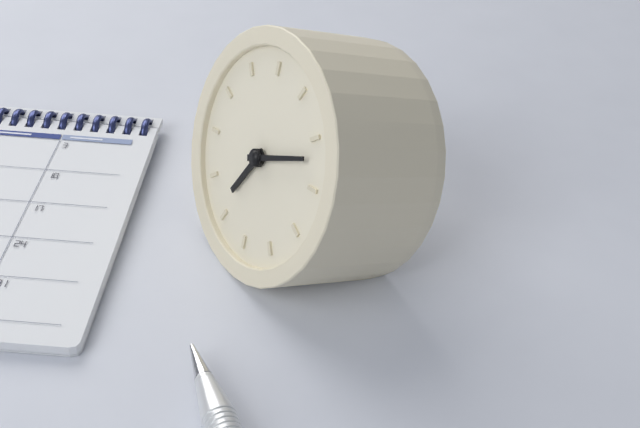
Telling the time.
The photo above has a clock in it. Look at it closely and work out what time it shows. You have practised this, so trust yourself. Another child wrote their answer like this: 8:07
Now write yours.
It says 7:12
